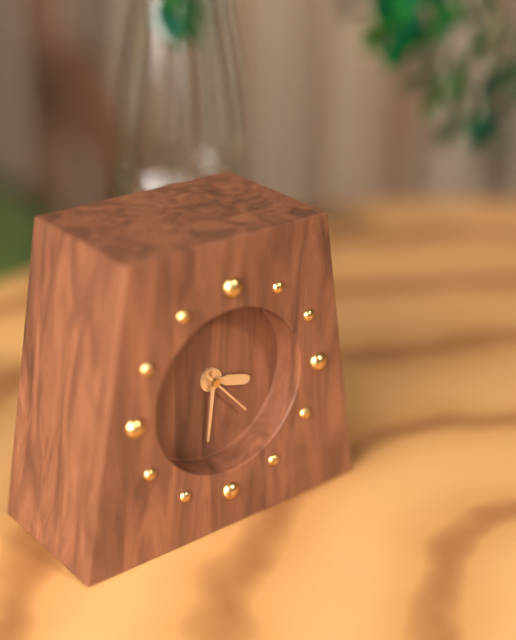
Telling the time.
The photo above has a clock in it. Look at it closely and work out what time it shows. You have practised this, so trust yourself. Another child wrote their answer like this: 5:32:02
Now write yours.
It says 3:31:23
